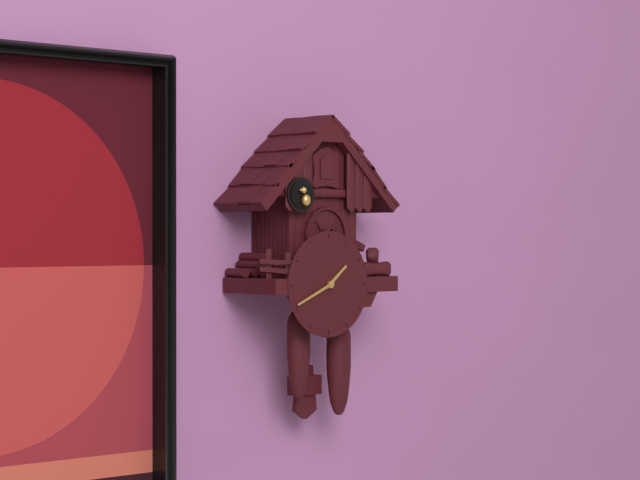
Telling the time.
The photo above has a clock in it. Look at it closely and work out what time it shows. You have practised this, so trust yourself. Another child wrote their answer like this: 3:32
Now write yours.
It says 1:41
